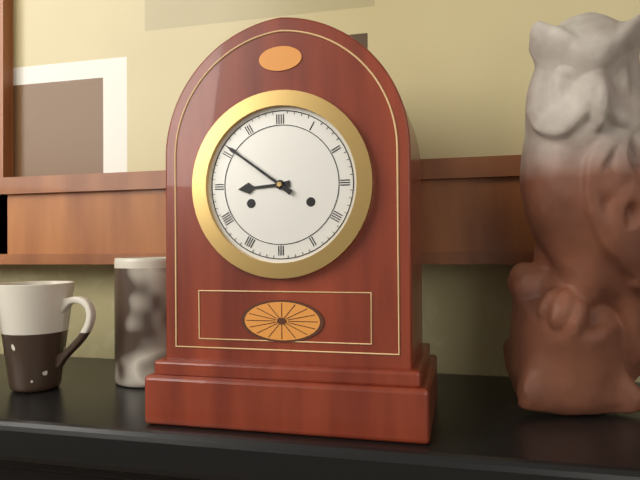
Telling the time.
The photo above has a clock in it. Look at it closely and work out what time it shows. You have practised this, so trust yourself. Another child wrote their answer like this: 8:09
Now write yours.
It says 8:51
